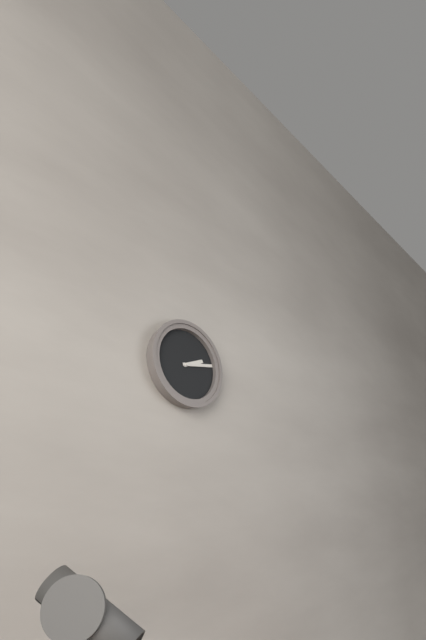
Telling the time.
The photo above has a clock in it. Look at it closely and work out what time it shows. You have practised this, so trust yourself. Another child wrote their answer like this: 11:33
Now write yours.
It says 2:13
